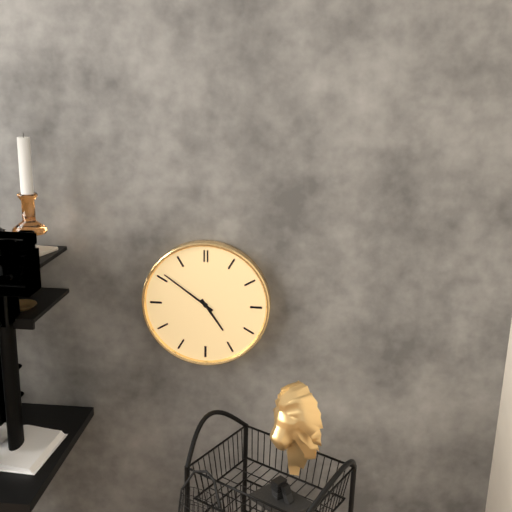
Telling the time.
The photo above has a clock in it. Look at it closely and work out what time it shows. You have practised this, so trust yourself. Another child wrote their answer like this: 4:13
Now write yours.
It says 4:51
